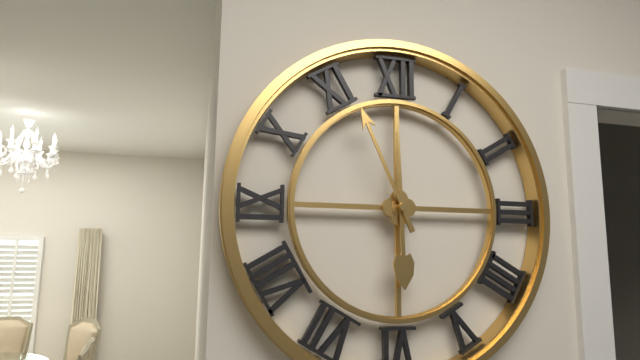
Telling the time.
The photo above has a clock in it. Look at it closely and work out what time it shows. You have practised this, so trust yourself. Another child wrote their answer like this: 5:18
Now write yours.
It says 5:56
